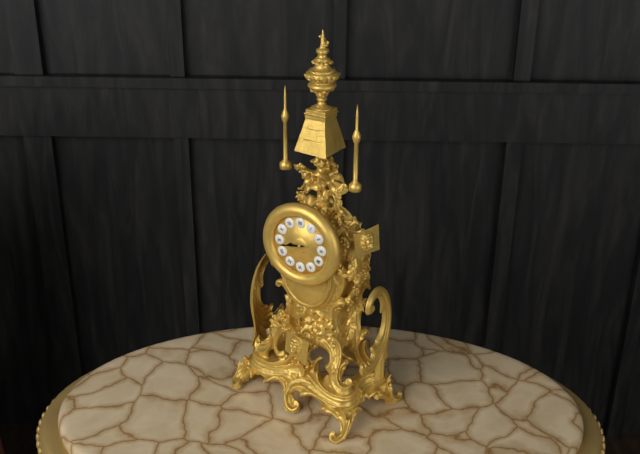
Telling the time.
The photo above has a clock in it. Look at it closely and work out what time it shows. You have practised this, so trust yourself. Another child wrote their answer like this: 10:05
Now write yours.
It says 8:43
